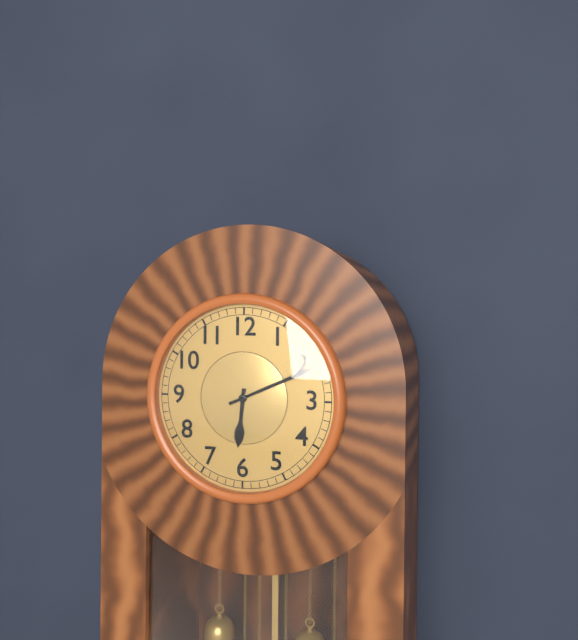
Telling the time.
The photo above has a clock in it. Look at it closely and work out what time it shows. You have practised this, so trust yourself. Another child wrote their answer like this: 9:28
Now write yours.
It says 6:11
